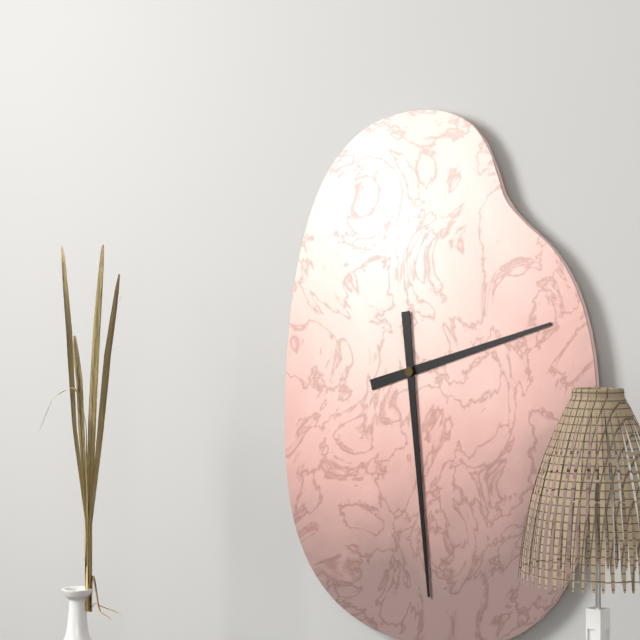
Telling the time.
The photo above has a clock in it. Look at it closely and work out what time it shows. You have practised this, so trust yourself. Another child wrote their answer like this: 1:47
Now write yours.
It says 2:29
